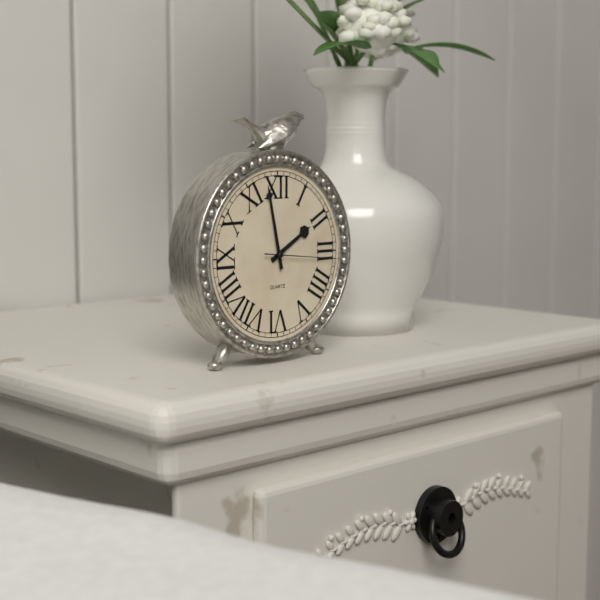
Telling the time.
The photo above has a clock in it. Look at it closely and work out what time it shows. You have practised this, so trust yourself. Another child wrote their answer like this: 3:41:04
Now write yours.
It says 1:58:16
